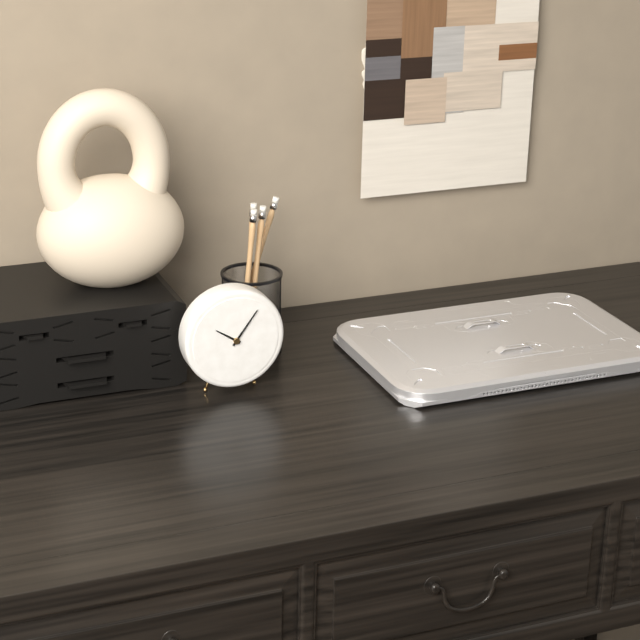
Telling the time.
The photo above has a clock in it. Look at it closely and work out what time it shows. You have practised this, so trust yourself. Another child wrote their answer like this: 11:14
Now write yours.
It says 10:06
